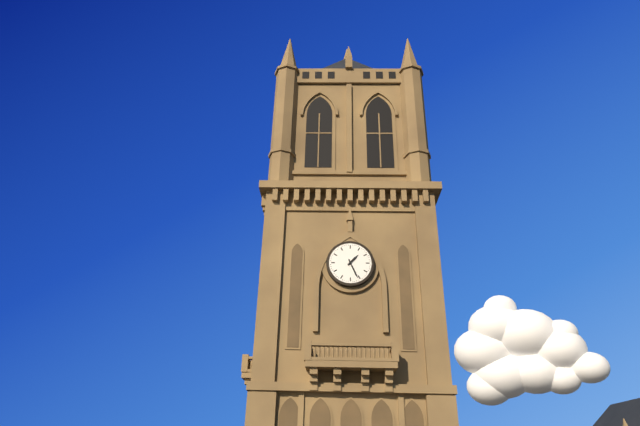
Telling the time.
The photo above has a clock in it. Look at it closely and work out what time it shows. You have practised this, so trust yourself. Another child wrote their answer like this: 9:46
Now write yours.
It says 1:26
